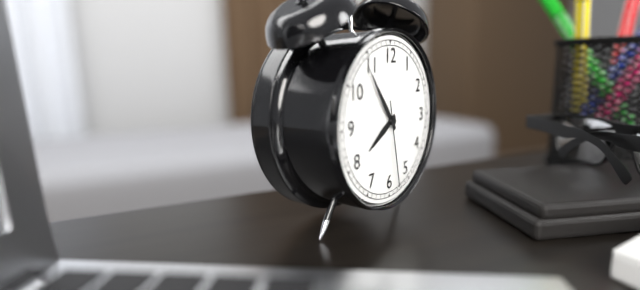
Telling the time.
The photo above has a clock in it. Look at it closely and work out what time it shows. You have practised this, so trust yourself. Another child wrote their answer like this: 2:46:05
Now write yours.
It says 7:54:28
